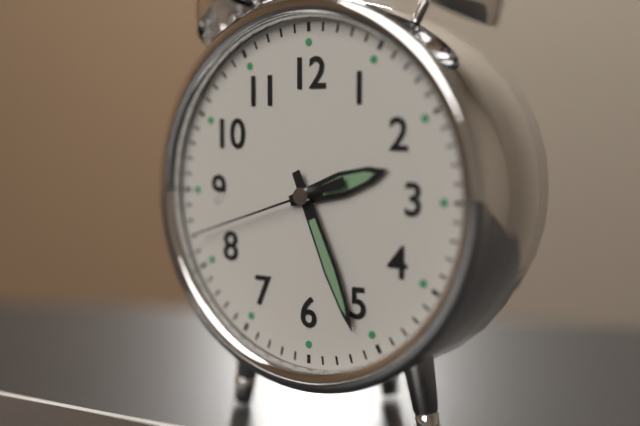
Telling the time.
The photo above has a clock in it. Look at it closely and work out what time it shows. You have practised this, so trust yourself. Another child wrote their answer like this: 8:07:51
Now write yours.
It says 2:26:42
